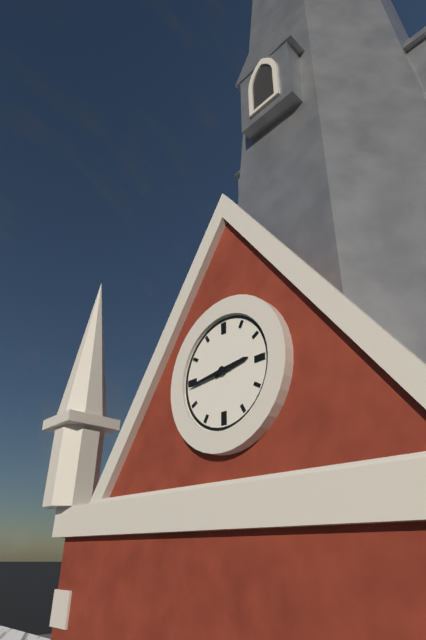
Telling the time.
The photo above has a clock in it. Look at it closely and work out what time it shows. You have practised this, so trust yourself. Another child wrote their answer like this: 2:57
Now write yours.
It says 2:44
